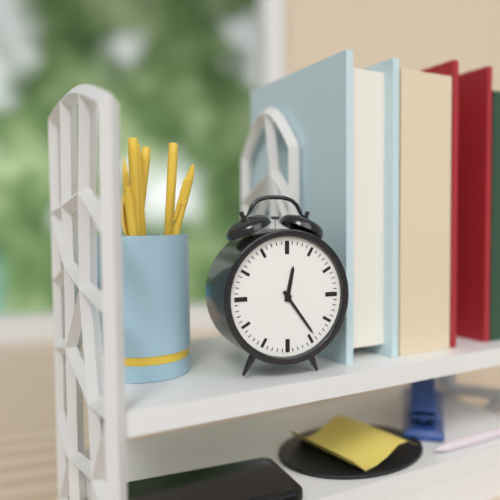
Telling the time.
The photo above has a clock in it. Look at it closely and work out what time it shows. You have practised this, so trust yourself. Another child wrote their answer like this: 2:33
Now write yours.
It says 12:24
